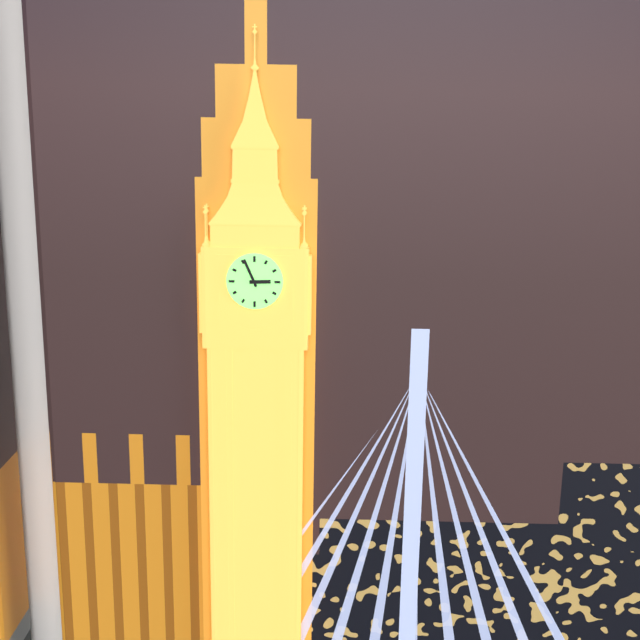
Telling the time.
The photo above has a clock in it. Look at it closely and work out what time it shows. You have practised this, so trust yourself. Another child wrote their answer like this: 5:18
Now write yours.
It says 2:56
